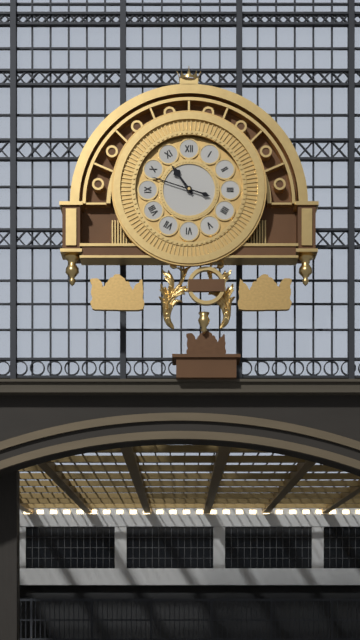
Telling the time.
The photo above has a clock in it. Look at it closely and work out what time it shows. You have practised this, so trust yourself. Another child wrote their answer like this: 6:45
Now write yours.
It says 10:48
